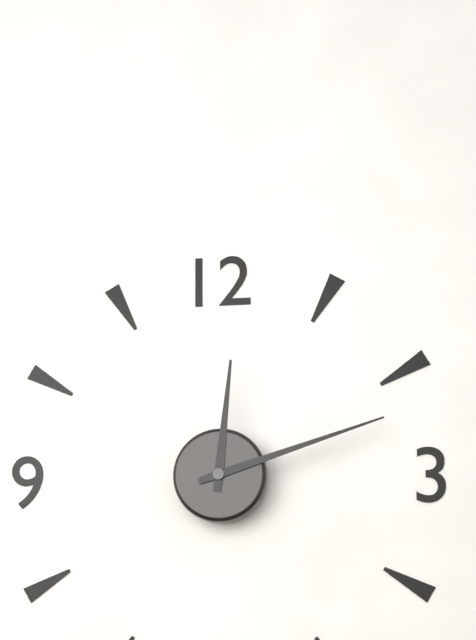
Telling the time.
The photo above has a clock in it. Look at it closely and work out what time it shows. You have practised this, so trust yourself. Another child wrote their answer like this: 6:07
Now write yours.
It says 12:12
